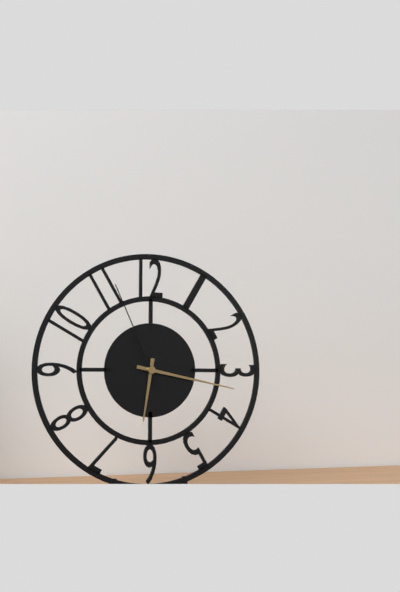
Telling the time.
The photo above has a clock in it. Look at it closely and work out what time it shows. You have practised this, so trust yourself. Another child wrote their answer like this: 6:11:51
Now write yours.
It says 6:17:56
